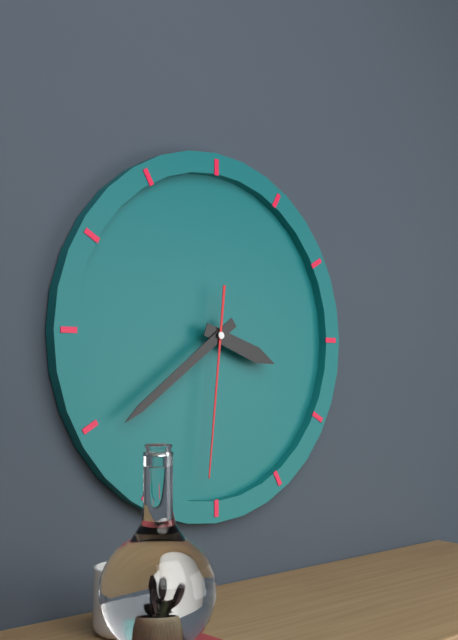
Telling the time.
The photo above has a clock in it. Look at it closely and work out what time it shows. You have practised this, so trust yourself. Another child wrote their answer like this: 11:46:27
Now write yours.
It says 3:39:31
